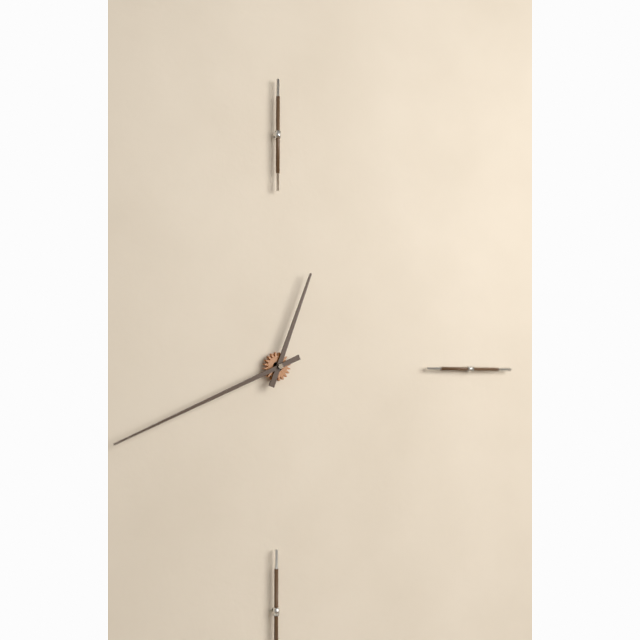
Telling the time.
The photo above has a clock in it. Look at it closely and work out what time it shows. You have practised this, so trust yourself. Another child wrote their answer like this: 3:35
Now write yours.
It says 12:41
